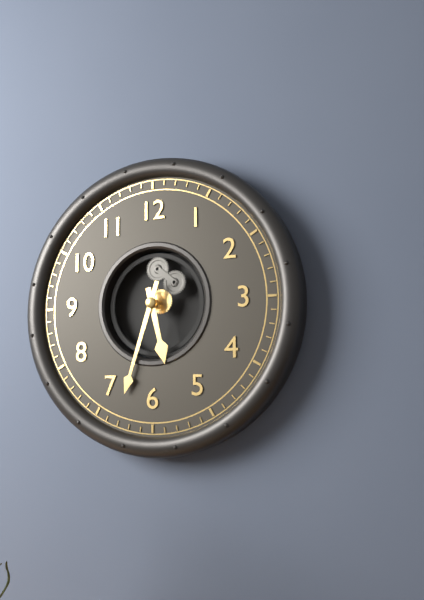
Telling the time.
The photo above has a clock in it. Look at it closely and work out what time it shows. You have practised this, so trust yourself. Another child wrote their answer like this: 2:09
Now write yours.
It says 5:33
